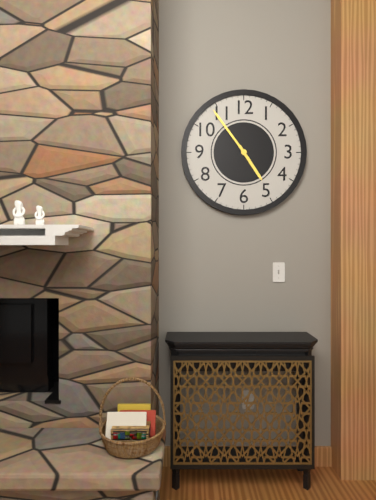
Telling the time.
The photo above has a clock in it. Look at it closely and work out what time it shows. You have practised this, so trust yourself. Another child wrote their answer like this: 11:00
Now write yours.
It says 4:54
